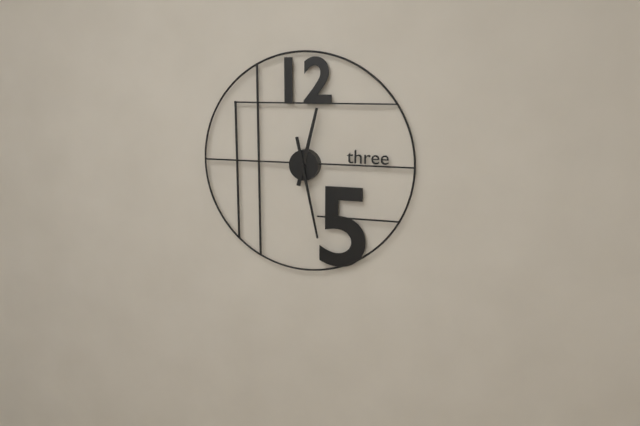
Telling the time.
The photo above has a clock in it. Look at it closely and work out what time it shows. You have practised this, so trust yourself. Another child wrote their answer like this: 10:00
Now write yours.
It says 12:28
